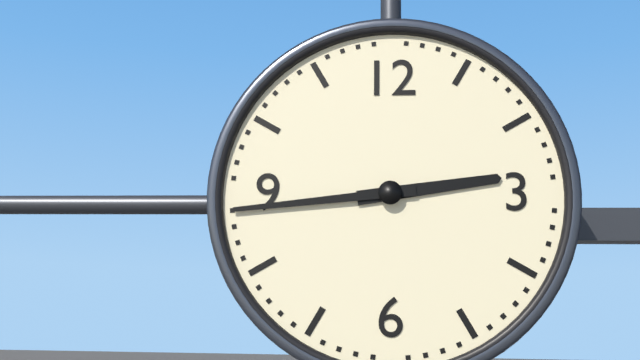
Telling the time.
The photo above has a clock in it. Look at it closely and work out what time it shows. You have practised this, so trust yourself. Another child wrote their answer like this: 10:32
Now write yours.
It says 2:44
